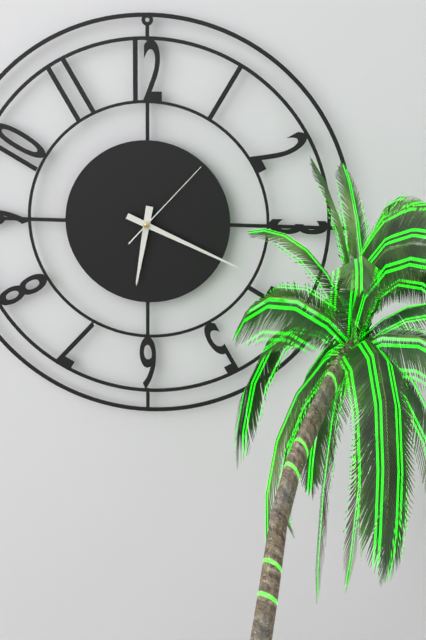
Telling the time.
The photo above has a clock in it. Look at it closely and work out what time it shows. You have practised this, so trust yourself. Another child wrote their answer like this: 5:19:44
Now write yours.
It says 6:19:07
